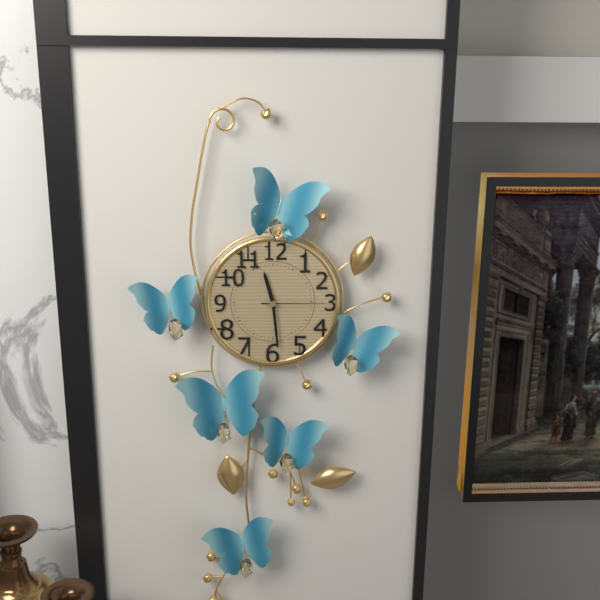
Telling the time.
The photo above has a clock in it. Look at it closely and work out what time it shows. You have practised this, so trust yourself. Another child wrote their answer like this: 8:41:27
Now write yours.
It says 11:29:15
